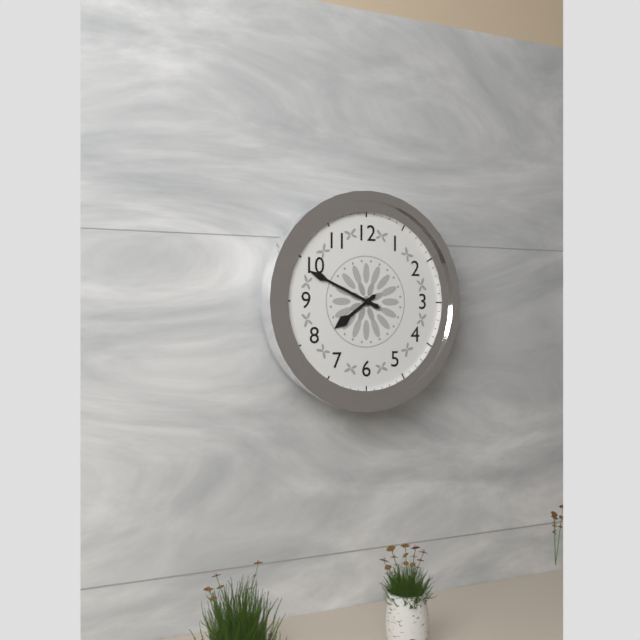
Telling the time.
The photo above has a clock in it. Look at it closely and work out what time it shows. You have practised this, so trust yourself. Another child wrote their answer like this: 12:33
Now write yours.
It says 7:49
